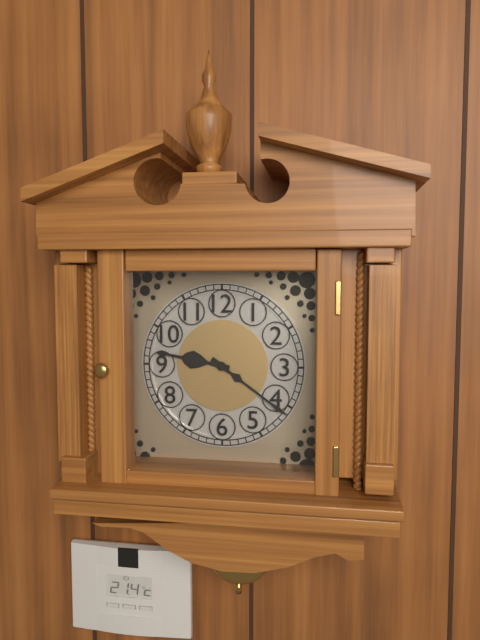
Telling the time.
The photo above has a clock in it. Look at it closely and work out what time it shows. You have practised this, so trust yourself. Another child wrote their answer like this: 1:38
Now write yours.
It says 9:21
